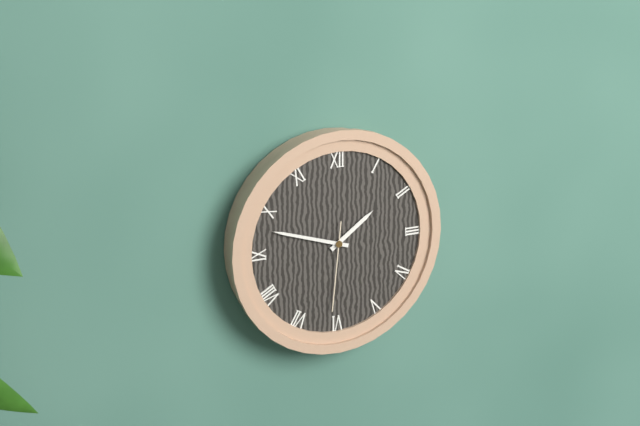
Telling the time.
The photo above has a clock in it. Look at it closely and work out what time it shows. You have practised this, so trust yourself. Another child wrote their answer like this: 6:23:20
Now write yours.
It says 1:48:31
